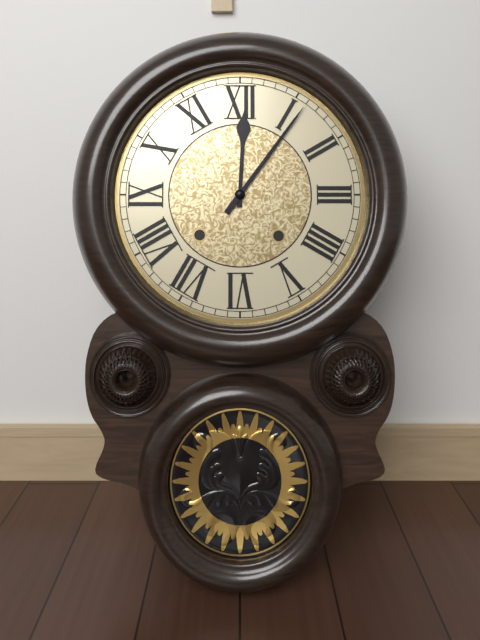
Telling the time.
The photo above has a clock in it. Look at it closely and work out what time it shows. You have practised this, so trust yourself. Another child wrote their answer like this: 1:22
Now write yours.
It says 12:06
